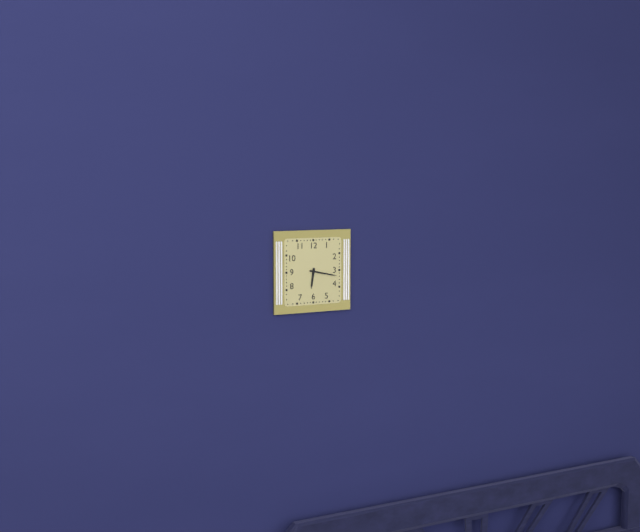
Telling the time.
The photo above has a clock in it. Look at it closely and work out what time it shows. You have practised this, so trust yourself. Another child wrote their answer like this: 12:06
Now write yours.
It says 6:17
